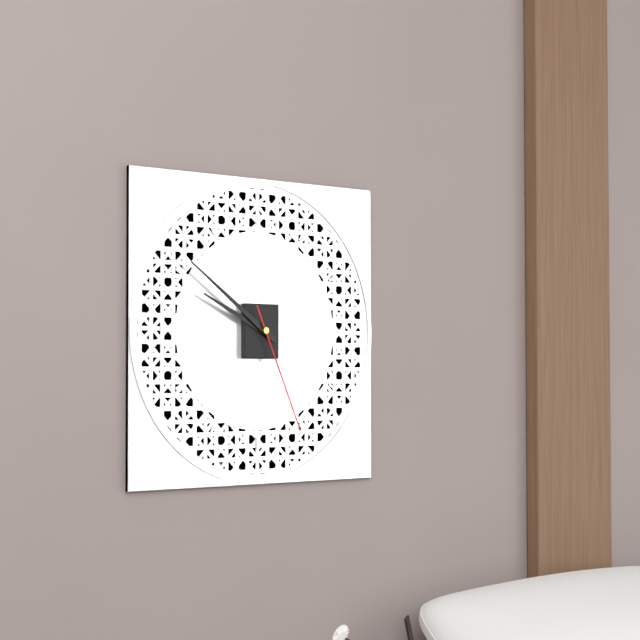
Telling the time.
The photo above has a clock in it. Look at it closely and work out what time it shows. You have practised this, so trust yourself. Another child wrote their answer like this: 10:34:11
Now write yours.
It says 9:51:26
